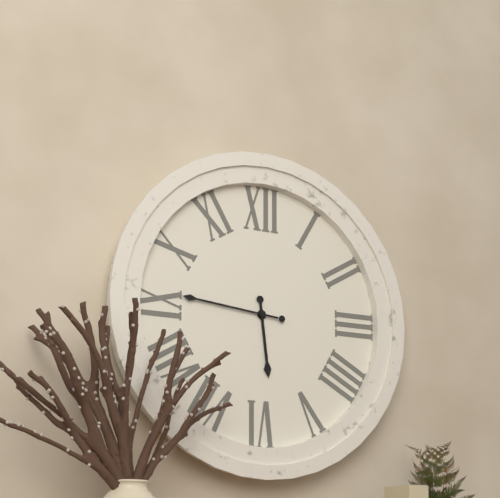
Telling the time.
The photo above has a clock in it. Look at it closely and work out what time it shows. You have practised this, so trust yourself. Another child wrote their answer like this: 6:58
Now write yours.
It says 5:46
